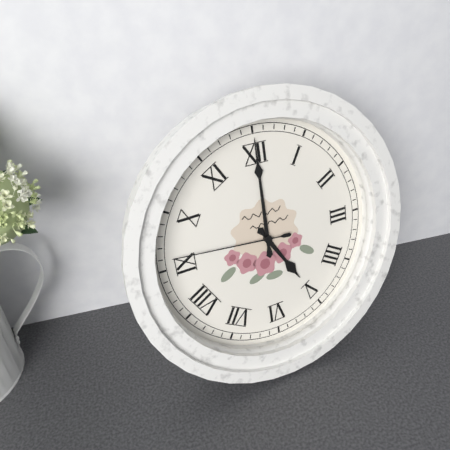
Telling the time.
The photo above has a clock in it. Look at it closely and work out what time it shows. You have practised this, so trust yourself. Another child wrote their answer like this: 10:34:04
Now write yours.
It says 5:00:46
